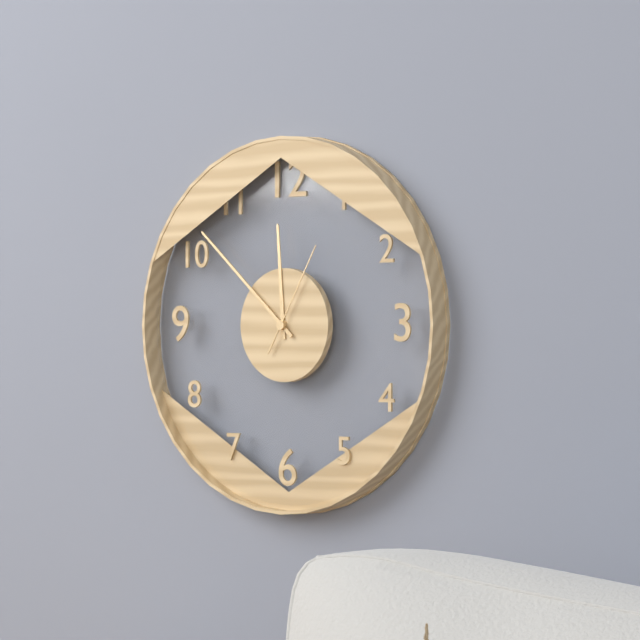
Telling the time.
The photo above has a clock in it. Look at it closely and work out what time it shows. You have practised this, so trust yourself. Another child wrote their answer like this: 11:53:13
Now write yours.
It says 11:52:05
